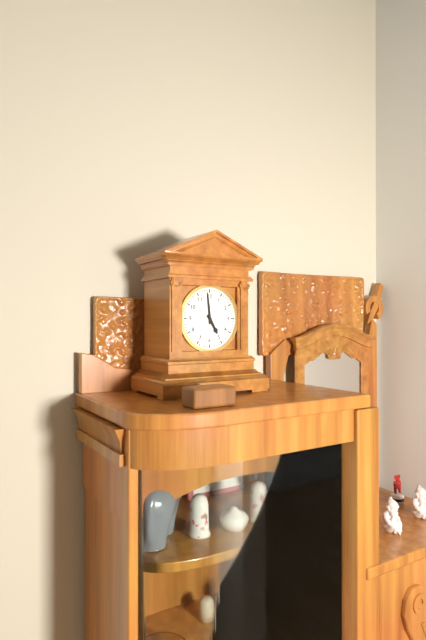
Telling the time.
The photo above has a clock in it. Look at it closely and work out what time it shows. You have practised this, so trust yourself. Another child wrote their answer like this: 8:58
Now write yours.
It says 4:59
